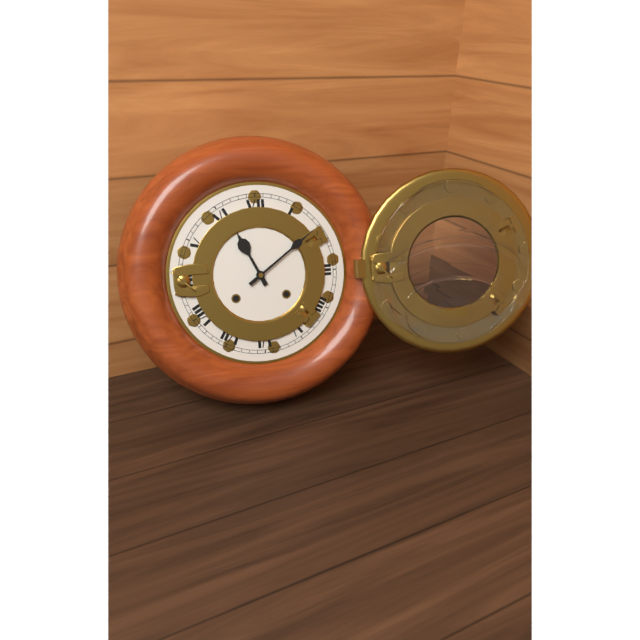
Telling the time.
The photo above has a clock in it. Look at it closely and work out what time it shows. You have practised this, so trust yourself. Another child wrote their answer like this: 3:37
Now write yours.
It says 11:09
